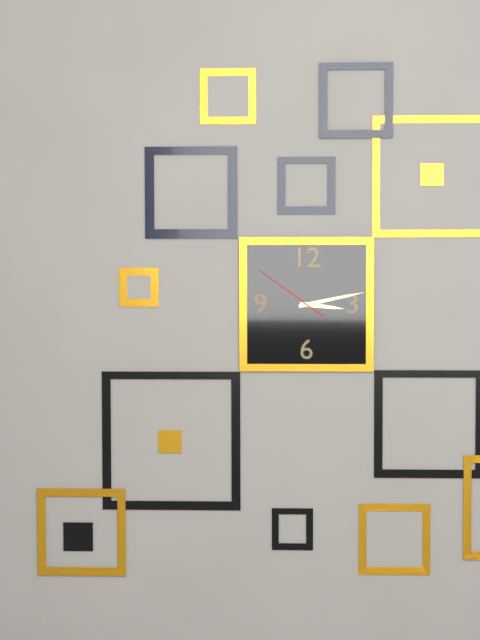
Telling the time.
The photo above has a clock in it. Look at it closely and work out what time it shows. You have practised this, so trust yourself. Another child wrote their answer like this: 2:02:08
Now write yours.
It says 3:13:51
